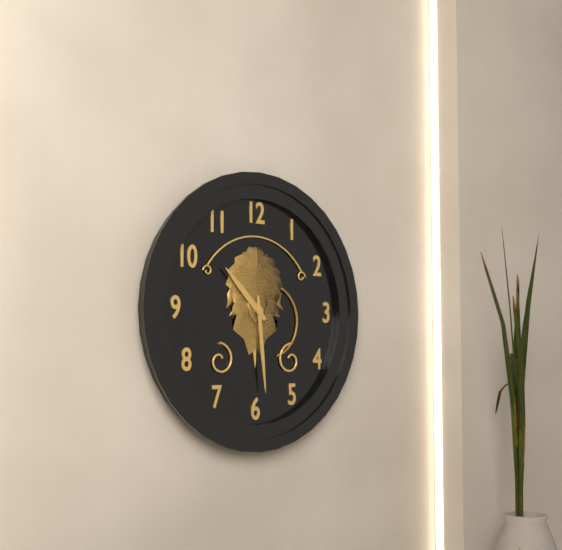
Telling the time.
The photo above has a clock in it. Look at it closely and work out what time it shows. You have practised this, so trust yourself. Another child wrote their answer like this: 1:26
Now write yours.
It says 10:29
